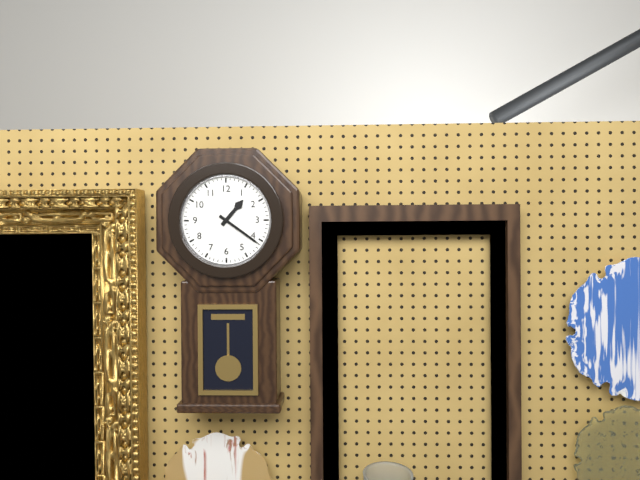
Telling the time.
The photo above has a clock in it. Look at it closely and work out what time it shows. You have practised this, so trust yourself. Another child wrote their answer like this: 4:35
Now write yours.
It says 1:21
